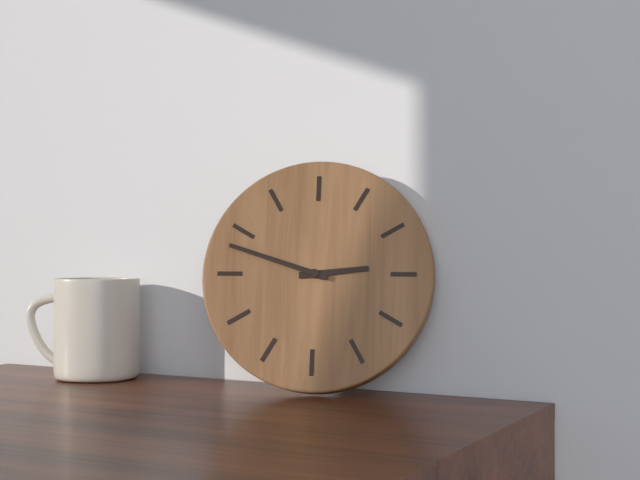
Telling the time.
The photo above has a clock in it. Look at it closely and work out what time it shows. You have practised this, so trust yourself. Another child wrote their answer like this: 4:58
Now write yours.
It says 2:48
